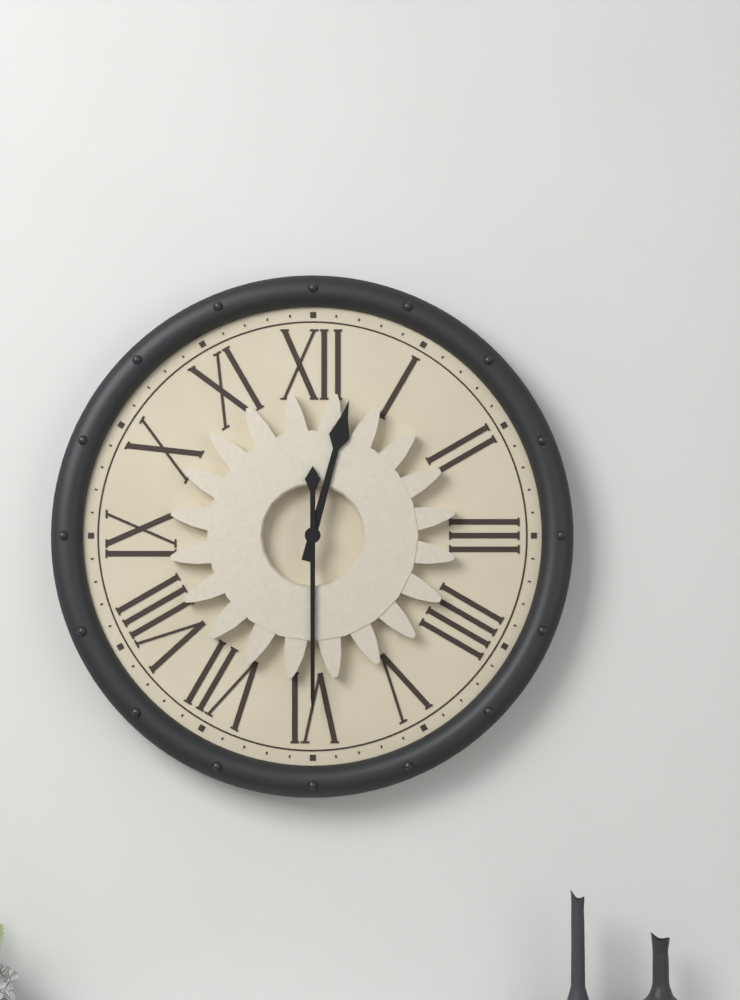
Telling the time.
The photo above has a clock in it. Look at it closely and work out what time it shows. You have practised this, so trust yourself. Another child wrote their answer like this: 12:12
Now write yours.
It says 12:30
